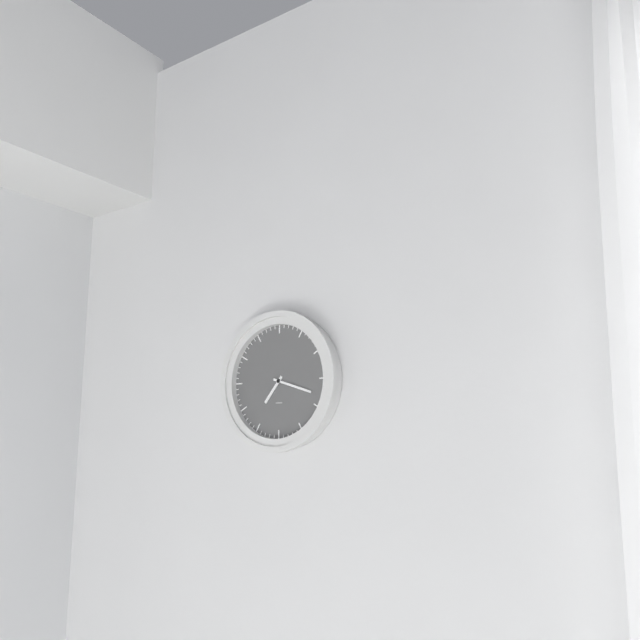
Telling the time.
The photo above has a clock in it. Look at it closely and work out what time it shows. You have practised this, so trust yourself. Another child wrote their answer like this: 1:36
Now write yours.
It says 7:18
